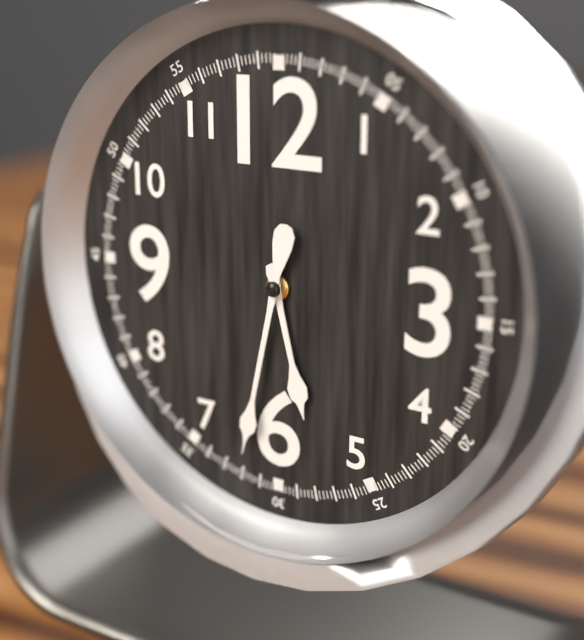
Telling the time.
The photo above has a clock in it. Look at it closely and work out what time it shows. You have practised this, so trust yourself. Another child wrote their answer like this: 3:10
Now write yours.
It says 5:32
